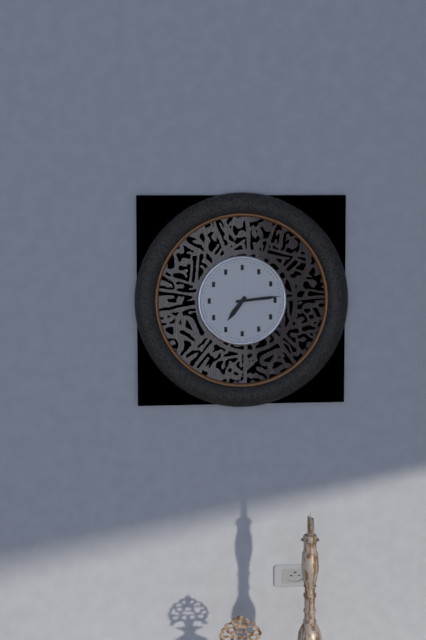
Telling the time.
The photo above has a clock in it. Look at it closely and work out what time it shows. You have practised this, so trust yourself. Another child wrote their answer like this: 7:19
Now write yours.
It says 7:14
